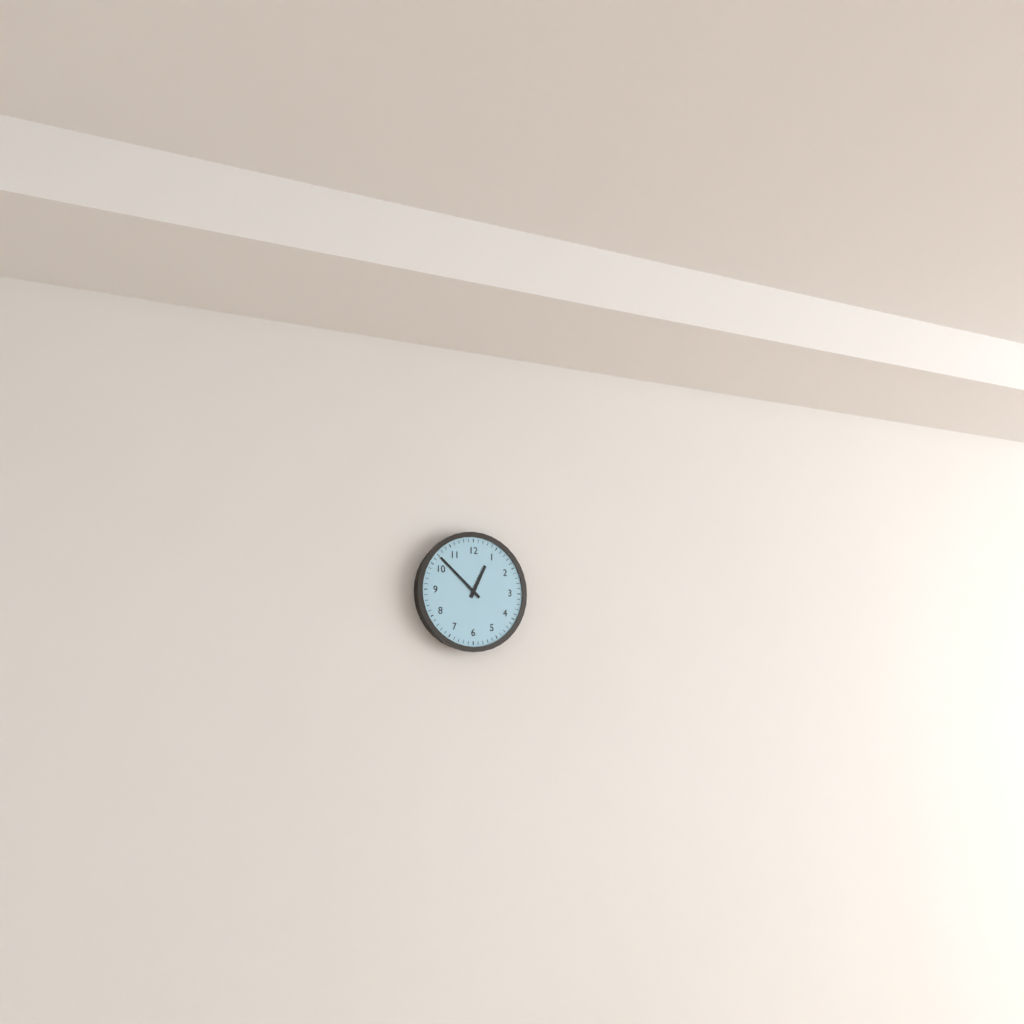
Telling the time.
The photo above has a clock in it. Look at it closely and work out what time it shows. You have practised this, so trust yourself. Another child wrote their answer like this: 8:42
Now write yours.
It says 12:52
